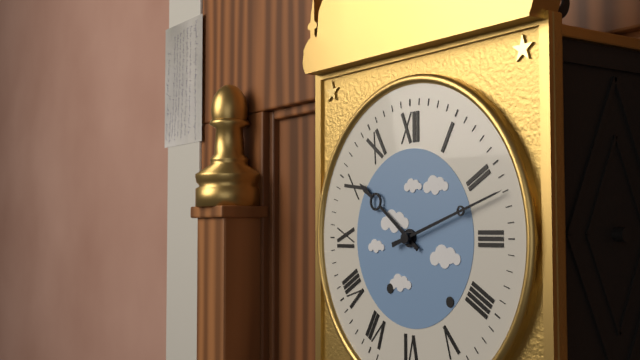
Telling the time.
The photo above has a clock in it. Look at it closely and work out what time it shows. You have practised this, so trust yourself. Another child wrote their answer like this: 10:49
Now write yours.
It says 10:12
